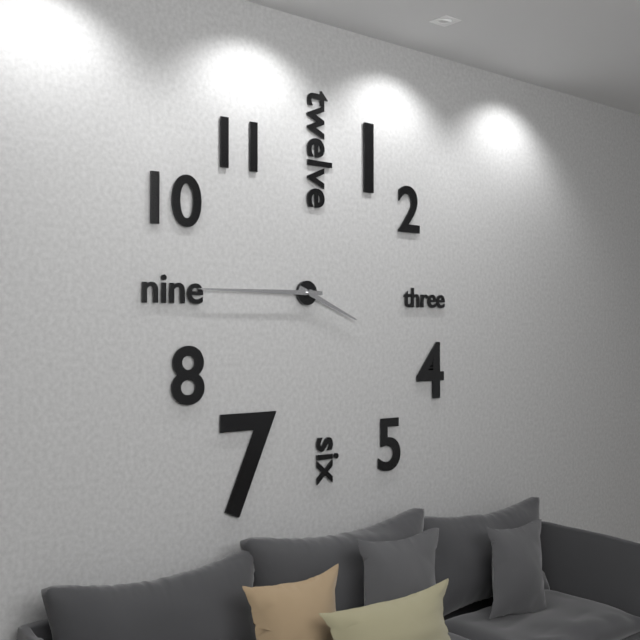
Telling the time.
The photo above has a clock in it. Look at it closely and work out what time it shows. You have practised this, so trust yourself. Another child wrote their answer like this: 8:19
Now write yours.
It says 3:45
